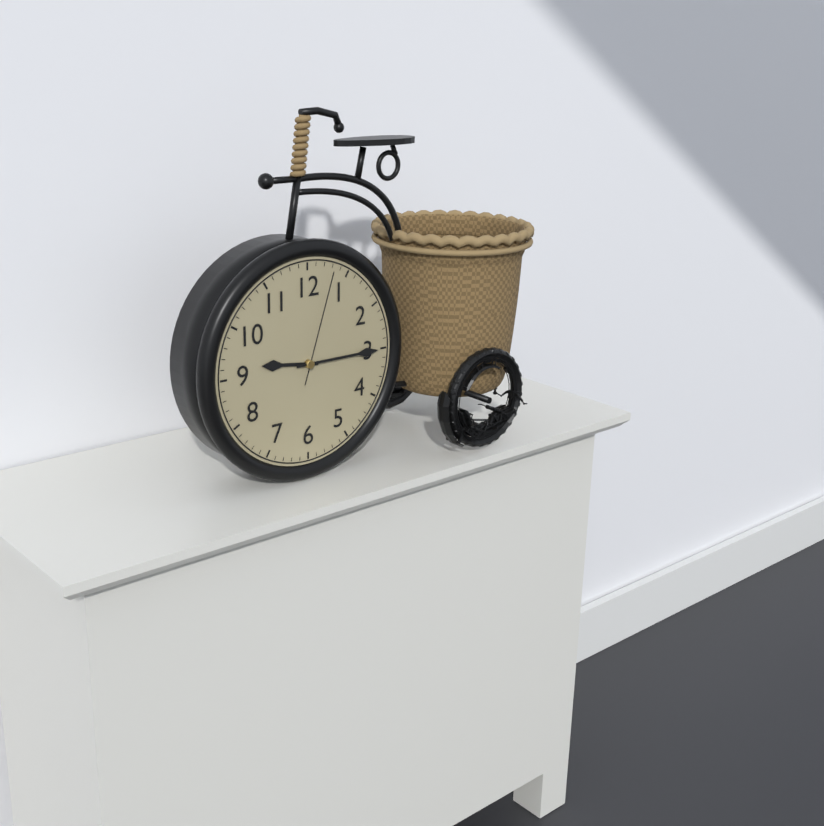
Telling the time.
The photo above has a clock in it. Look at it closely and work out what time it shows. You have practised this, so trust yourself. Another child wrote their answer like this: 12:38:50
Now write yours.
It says 9:15:03
